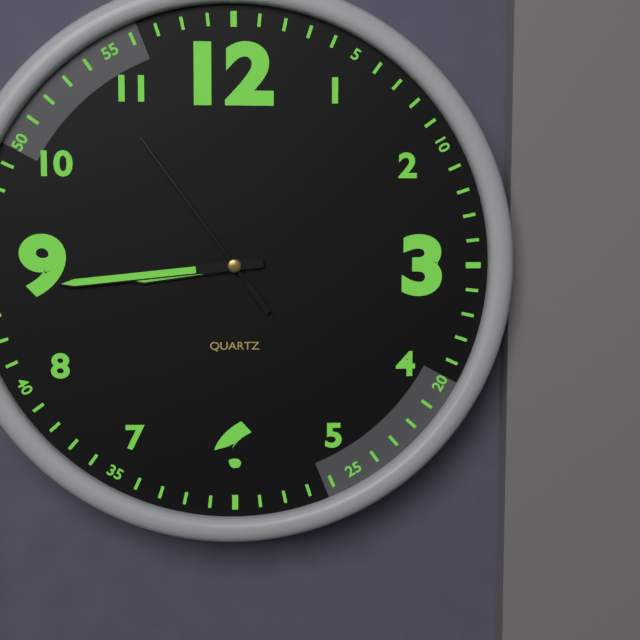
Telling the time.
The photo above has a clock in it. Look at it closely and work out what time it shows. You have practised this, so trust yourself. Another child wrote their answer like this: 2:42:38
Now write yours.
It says 8:44:54
